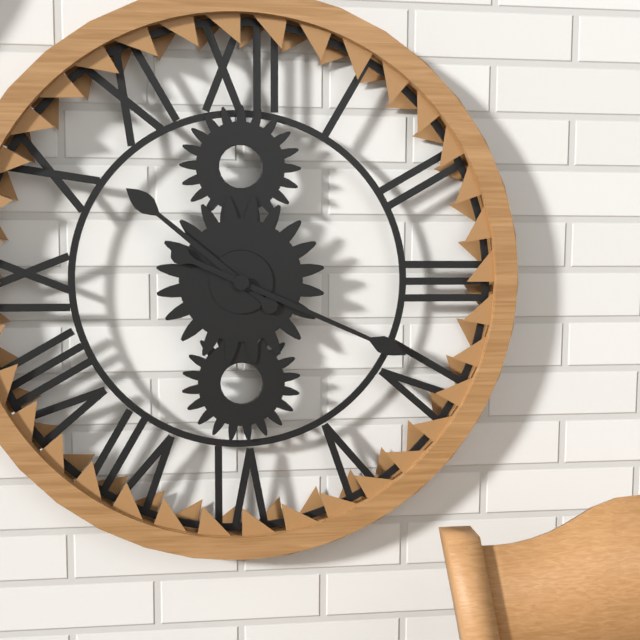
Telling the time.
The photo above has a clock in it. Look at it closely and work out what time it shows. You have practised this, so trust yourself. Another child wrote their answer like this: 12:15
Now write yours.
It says 10:19
